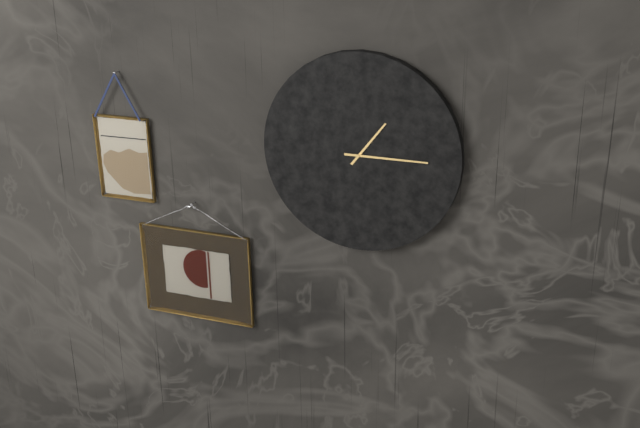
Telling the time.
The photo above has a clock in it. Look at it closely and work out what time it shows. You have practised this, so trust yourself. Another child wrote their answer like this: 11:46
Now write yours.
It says 1:15
